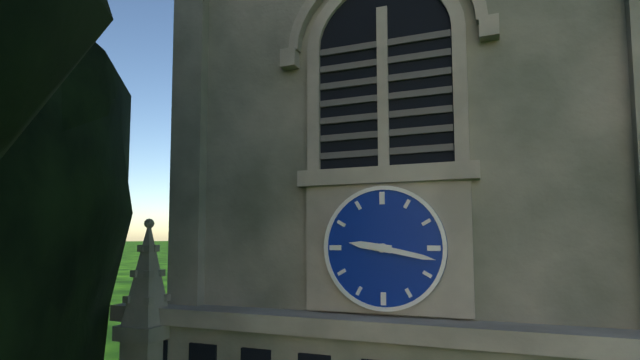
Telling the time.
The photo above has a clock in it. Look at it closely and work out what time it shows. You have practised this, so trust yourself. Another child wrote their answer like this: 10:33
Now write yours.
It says 9:17
